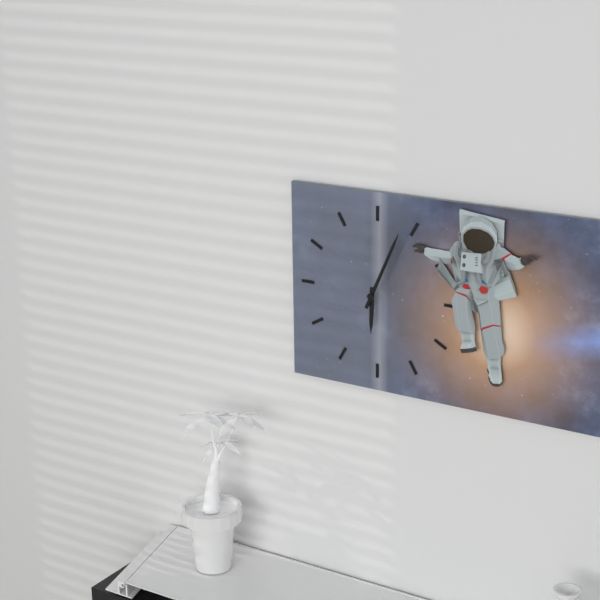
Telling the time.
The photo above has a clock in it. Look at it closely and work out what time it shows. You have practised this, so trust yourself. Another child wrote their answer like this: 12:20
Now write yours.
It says 6:04
